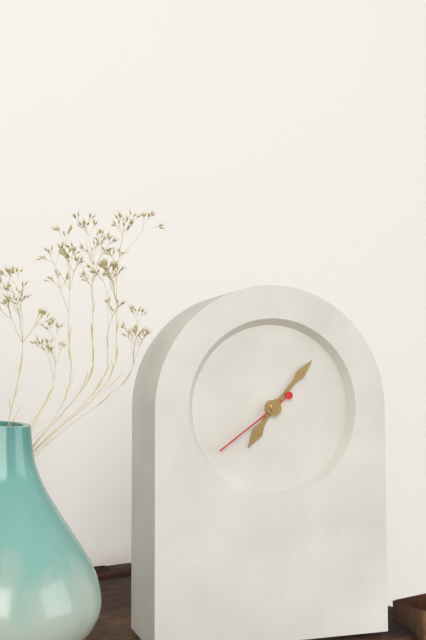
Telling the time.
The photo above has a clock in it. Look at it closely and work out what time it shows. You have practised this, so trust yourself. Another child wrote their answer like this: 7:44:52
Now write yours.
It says 7:07:39
